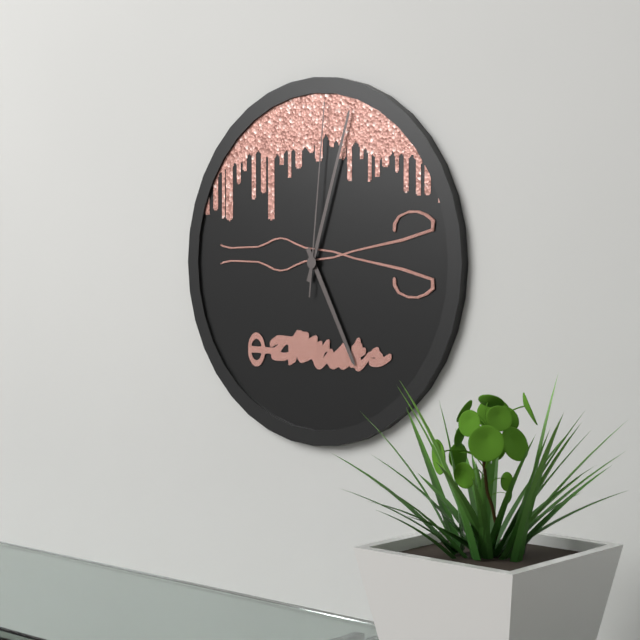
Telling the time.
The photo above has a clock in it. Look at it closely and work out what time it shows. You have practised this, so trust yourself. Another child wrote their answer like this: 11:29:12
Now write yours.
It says 5:03:01
